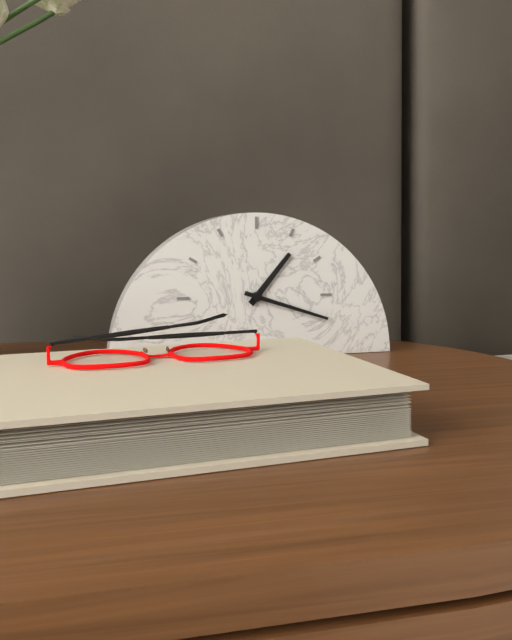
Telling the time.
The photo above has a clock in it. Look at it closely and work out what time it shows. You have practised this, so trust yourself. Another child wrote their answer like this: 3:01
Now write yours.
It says 1:18
